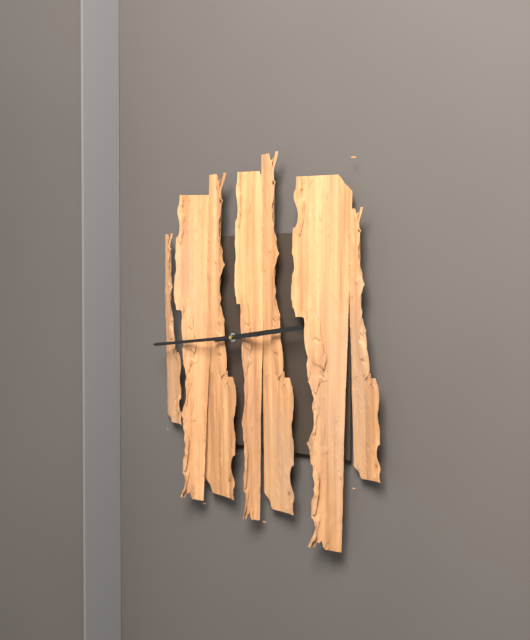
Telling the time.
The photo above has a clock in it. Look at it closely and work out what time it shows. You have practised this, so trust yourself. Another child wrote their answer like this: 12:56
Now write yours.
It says 2:44
